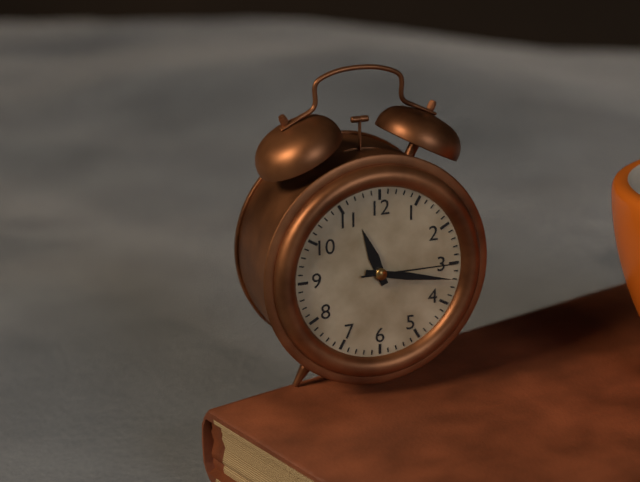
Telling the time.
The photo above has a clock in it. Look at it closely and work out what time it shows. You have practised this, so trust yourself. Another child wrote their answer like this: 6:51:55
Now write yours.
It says 11:17:15
